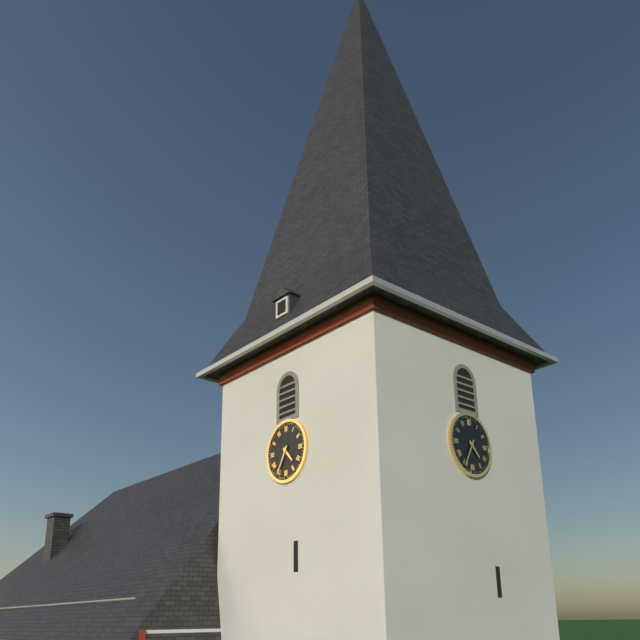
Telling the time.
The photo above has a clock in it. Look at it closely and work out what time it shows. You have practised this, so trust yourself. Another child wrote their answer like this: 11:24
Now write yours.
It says 4:35
